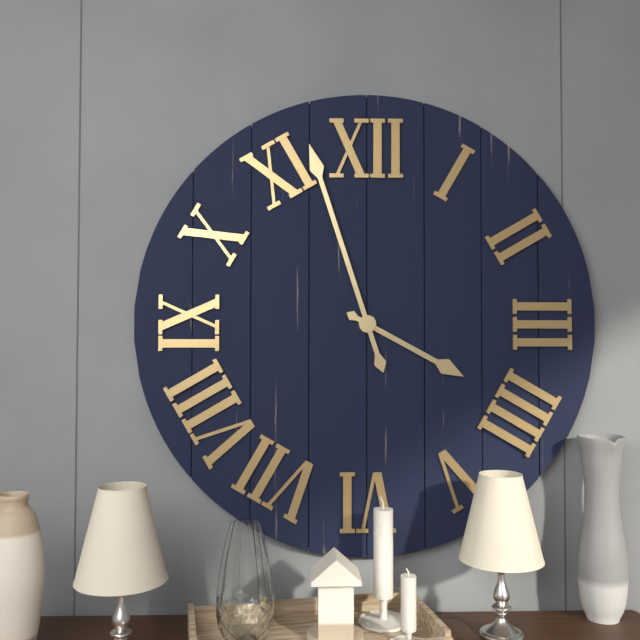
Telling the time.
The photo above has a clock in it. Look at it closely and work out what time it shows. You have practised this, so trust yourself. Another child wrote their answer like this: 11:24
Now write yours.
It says 3:57
